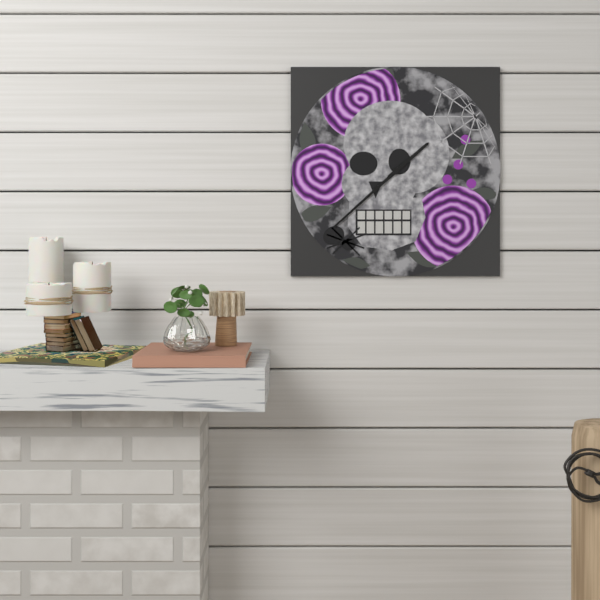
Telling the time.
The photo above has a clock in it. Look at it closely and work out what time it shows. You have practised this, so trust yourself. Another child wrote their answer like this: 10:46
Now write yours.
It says 1:38
